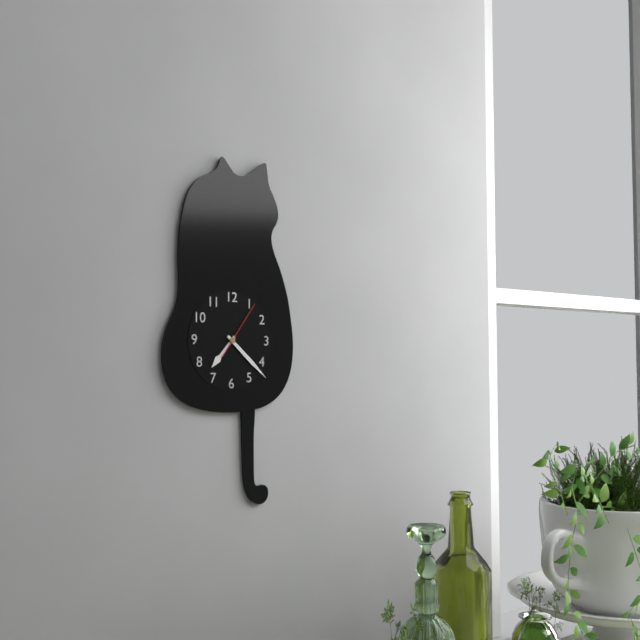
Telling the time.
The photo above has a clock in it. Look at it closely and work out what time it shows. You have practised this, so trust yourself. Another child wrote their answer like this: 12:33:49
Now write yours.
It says 7:22:06
